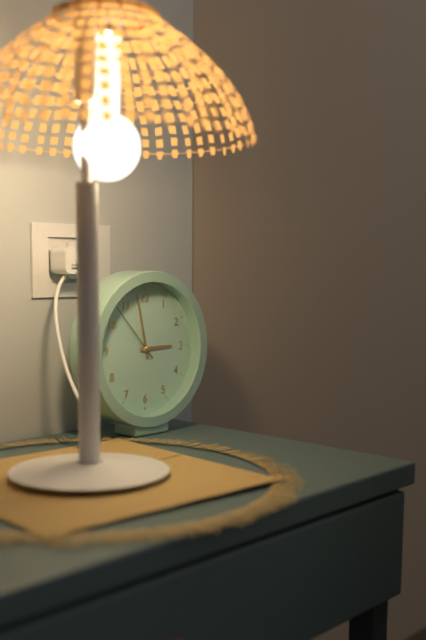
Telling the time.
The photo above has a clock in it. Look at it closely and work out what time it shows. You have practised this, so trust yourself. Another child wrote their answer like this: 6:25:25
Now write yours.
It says 2:58:53
